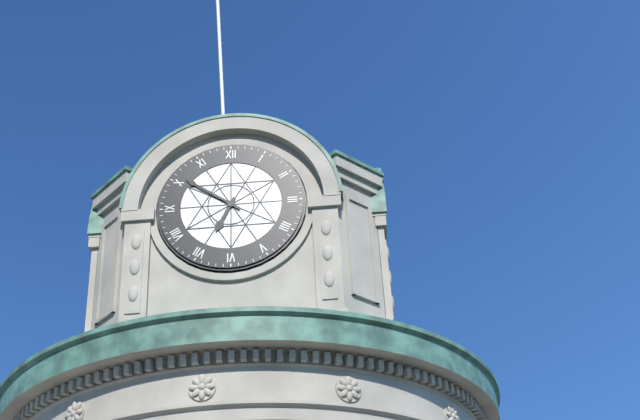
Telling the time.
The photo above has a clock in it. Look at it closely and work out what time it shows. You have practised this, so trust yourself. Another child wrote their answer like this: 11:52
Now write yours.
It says 6:51
